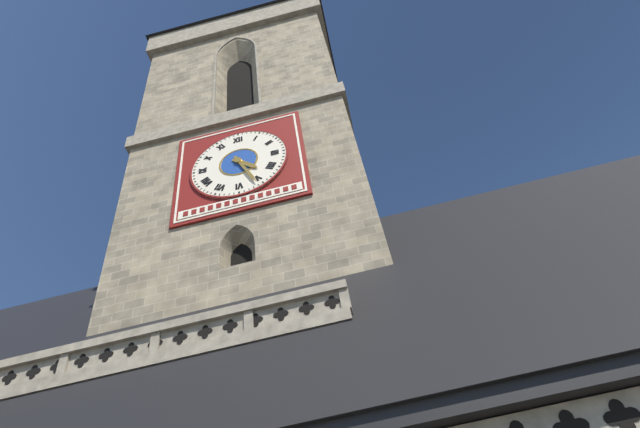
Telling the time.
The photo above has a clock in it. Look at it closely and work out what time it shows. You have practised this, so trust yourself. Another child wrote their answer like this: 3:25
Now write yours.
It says 4:26
